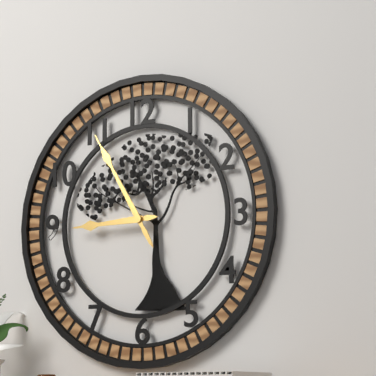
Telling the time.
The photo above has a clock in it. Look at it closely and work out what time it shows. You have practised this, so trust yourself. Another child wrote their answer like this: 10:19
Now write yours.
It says 8:55
